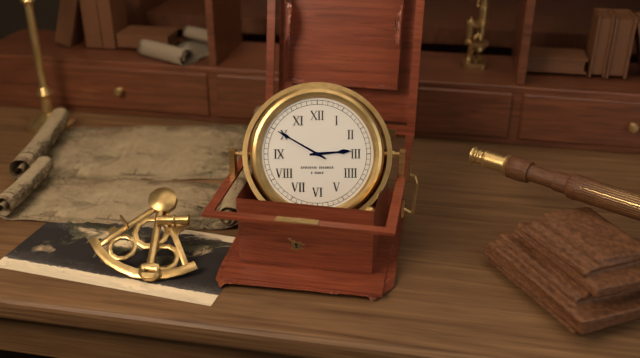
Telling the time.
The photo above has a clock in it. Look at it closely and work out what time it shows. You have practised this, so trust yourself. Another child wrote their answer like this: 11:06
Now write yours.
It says 2:50
